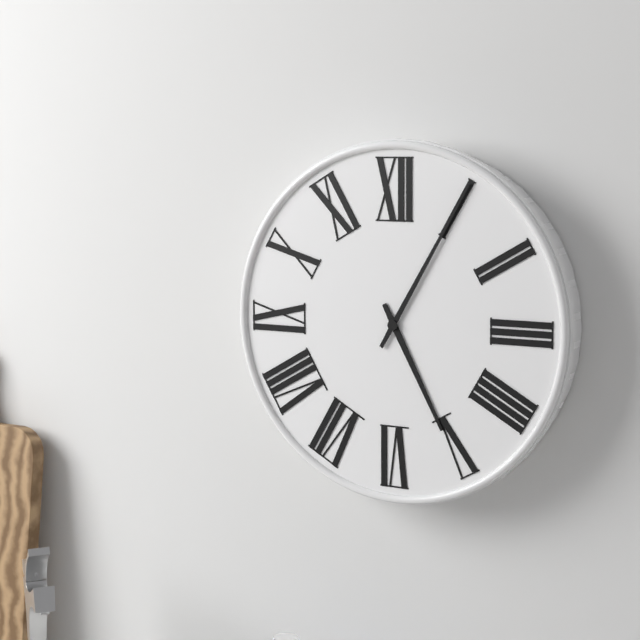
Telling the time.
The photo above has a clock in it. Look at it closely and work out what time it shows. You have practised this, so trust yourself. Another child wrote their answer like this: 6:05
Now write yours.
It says 5:05
